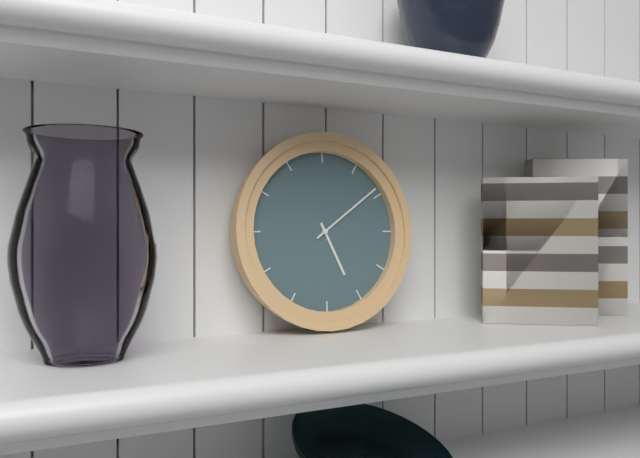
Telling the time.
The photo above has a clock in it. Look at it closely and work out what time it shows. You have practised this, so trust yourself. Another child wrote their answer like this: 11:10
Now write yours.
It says 5:09
